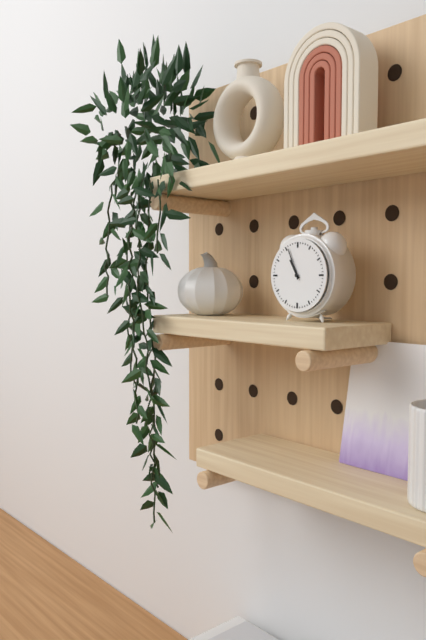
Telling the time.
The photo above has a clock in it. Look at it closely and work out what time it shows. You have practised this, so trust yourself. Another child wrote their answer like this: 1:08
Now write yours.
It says 10:56
